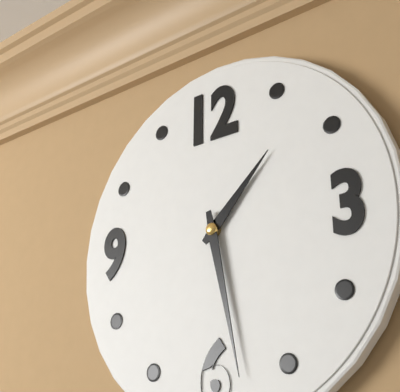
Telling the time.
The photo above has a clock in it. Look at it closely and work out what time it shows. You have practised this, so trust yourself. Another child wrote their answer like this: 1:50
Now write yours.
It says 1:28
